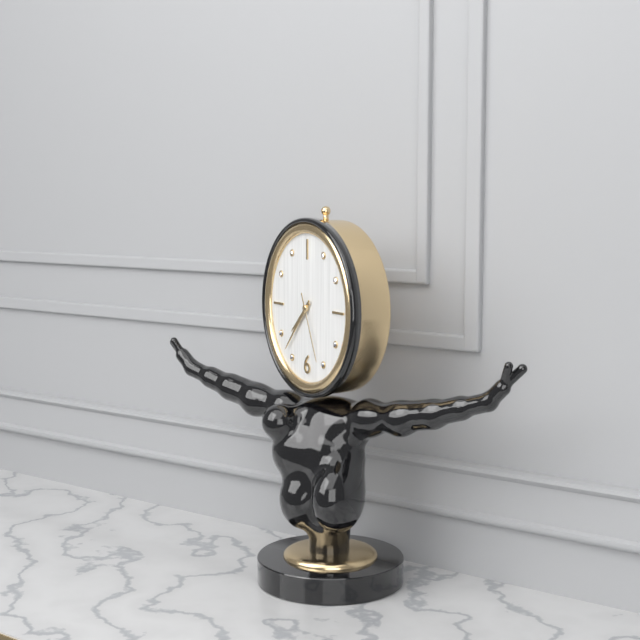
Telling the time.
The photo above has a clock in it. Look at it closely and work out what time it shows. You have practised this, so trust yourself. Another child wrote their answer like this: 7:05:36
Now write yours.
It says 7:37:26
